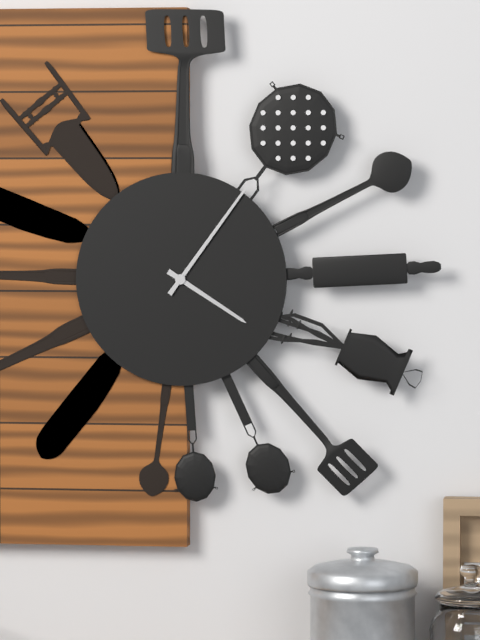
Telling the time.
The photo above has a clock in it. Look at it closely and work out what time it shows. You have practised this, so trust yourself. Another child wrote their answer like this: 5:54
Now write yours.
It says 4:06
